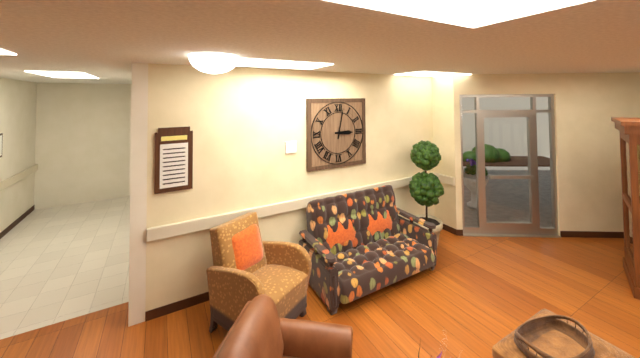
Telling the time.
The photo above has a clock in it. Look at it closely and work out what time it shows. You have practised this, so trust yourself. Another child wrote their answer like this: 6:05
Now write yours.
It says 3:02
